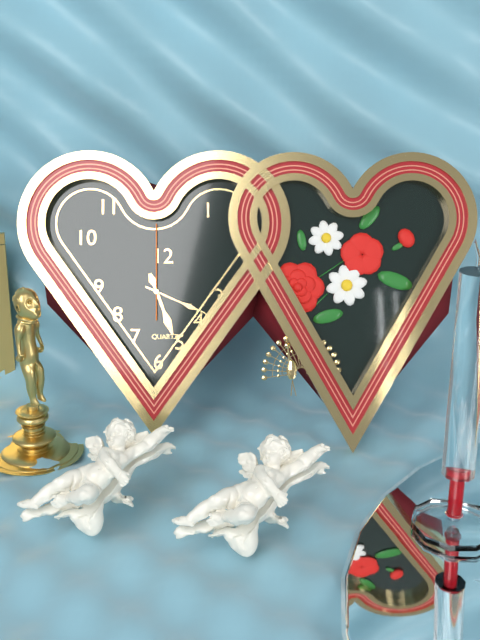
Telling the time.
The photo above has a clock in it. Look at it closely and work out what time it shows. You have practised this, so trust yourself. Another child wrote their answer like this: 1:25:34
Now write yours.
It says 5:19:00
